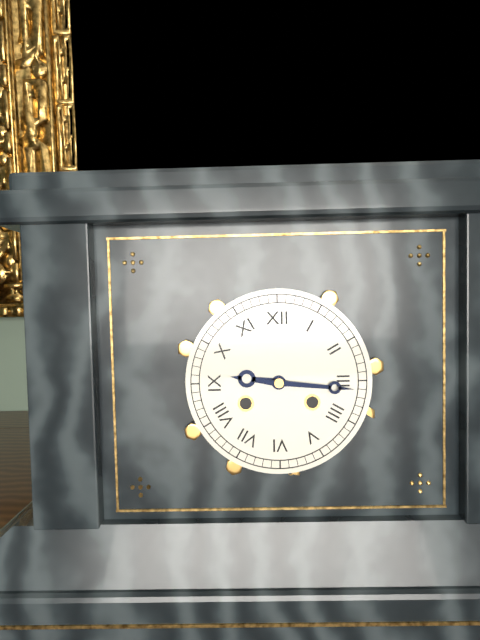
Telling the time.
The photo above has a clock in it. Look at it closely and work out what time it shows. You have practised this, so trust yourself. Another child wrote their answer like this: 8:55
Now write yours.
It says 9:16
